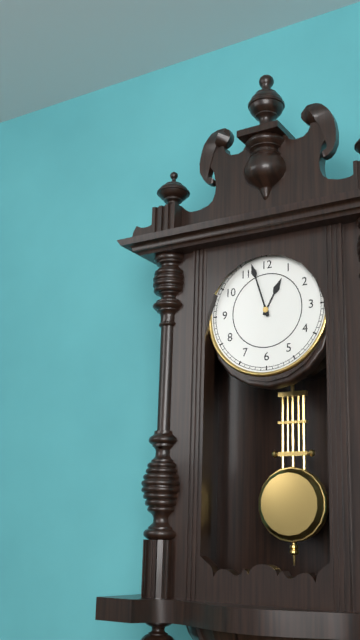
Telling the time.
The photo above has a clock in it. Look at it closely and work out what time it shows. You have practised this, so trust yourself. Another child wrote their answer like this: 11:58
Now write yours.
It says 12:57
